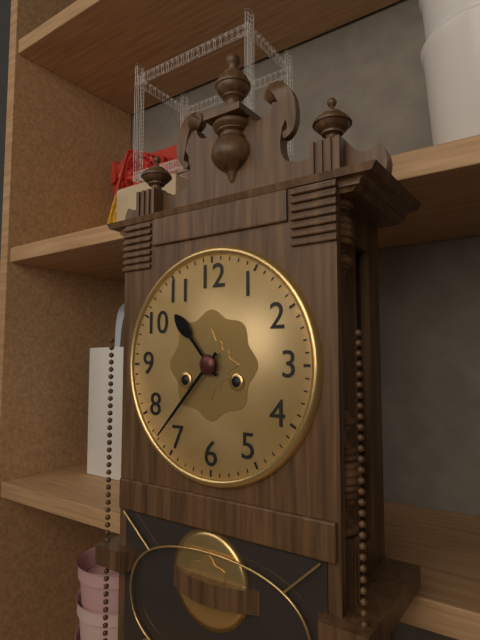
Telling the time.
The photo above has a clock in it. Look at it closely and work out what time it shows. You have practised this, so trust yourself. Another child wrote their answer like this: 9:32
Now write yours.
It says 10:37
